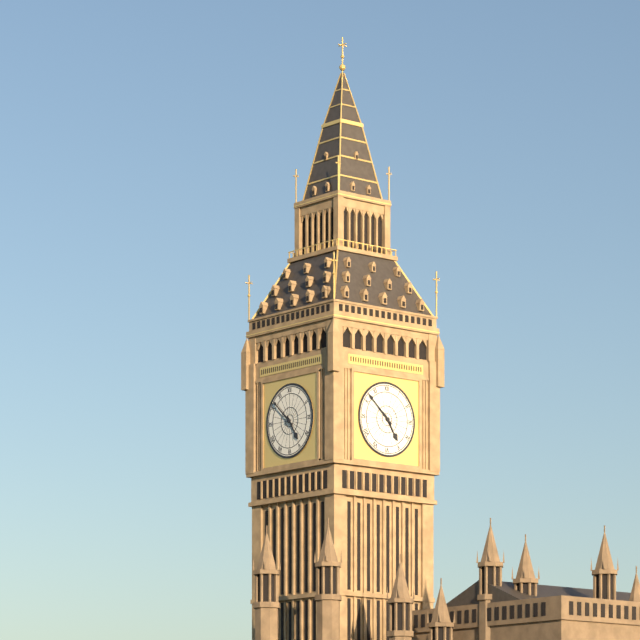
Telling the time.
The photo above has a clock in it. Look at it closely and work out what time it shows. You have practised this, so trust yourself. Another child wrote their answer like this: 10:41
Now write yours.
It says 4:52
